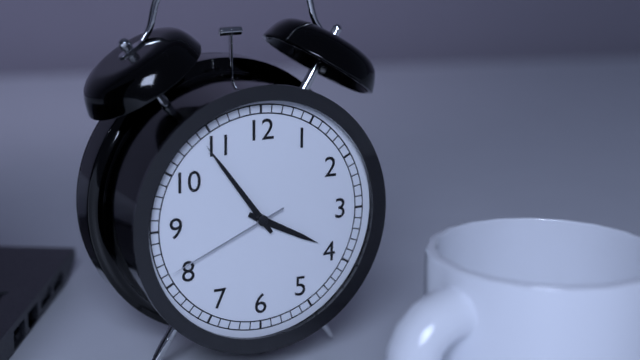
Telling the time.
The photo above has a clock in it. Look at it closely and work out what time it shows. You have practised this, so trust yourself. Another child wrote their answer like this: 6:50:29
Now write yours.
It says 3:54:41
